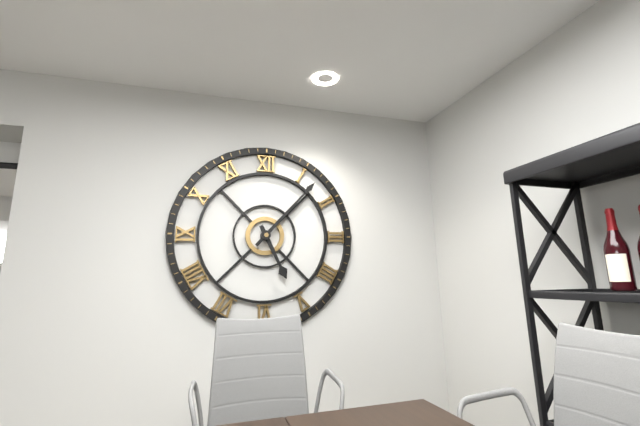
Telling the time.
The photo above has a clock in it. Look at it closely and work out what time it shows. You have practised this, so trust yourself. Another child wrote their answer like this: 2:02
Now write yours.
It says 5:07
